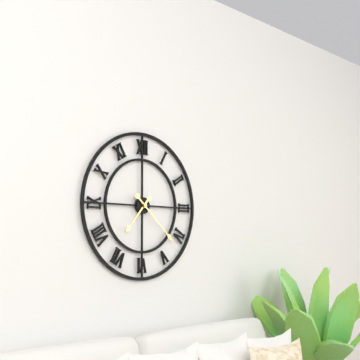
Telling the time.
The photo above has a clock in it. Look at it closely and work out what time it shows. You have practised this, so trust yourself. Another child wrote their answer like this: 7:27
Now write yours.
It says 7:22
